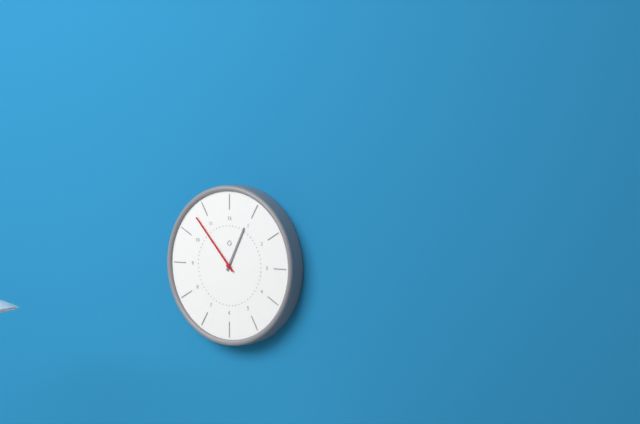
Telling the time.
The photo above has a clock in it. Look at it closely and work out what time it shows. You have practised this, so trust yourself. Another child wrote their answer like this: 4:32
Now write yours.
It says 12:53
